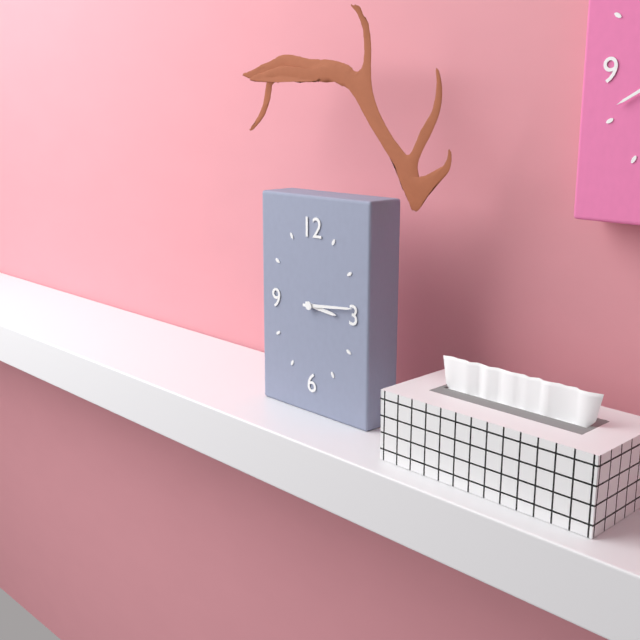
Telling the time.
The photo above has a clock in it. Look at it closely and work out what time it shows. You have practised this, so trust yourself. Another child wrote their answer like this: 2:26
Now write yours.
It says 3:14
